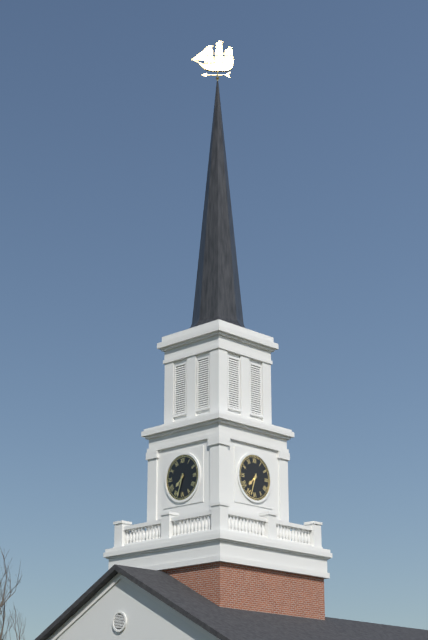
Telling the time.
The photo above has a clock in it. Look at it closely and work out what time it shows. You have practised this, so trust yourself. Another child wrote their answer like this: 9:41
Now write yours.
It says 7:33
